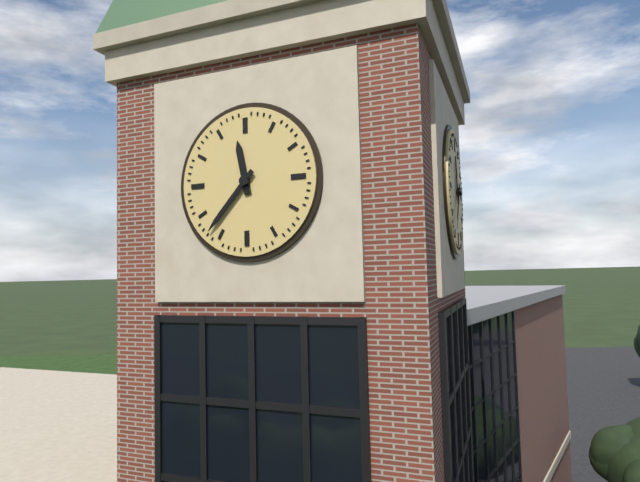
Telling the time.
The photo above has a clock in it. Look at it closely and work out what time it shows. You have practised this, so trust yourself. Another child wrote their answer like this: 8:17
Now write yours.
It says 11:37
